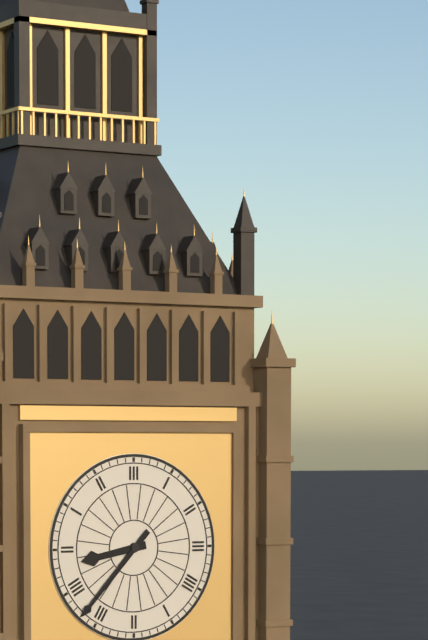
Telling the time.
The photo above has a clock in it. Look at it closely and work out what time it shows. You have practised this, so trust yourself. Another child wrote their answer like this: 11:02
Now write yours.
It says 8:37
